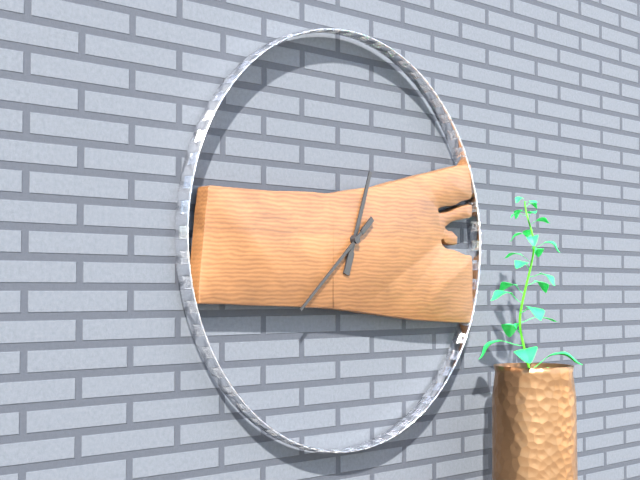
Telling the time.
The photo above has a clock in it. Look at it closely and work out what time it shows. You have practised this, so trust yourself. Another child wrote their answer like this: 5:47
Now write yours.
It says 12:38
